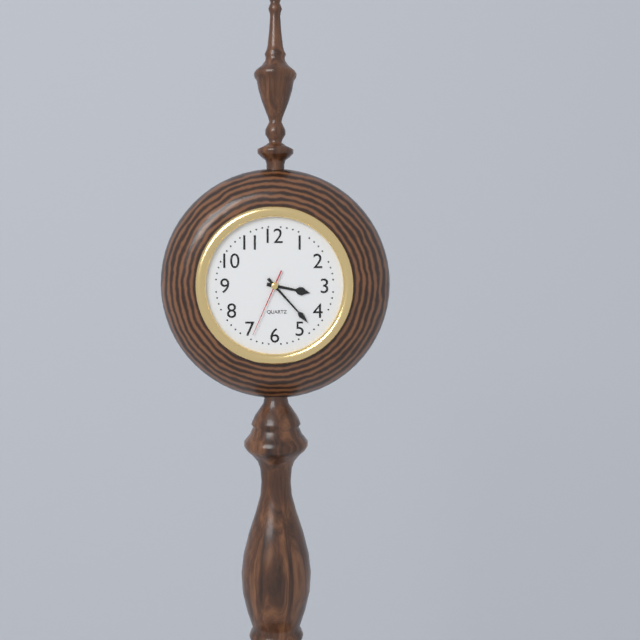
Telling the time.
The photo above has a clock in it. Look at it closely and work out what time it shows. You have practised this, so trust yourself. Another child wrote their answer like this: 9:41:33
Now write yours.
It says 3:23:34
